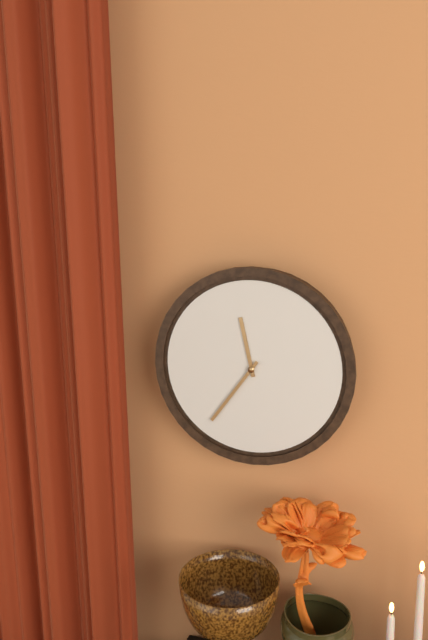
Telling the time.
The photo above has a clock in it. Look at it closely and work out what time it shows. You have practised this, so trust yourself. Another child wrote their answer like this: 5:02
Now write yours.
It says 11:36
